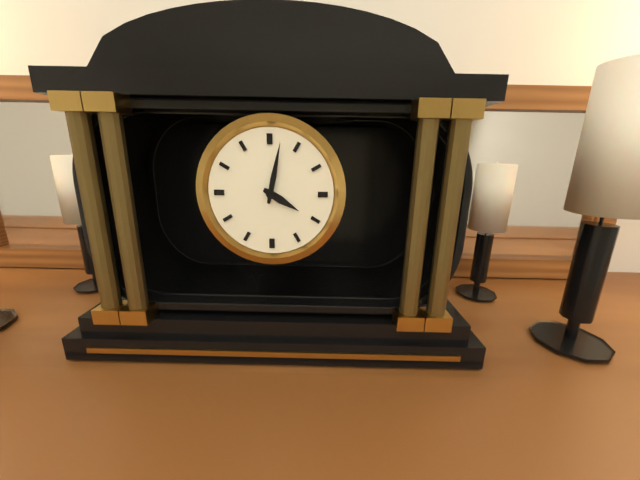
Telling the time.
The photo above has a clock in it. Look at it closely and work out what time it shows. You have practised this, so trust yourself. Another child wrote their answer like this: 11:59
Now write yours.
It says 4:02
